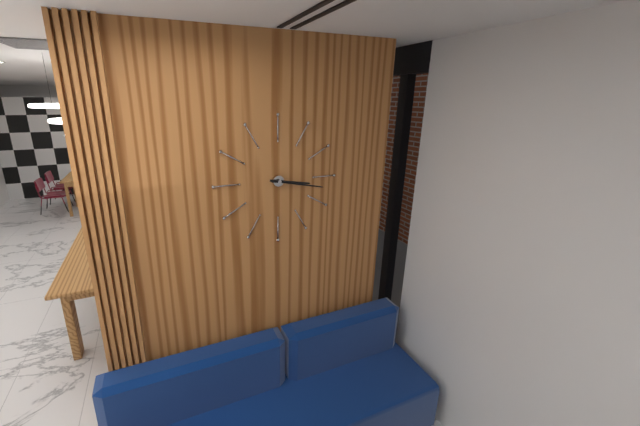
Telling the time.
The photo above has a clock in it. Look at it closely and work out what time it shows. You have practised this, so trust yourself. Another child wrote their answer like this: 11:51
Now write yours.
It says 3:17
